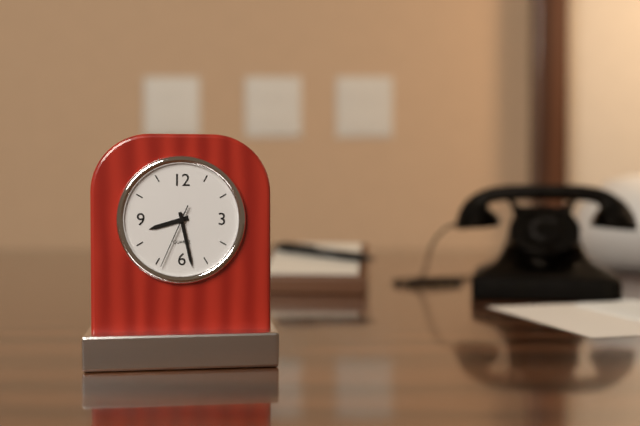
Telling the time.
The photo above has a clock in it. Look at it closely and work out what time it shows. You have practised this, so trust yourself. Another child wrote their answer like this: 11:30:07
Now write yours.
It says 8:28:34
